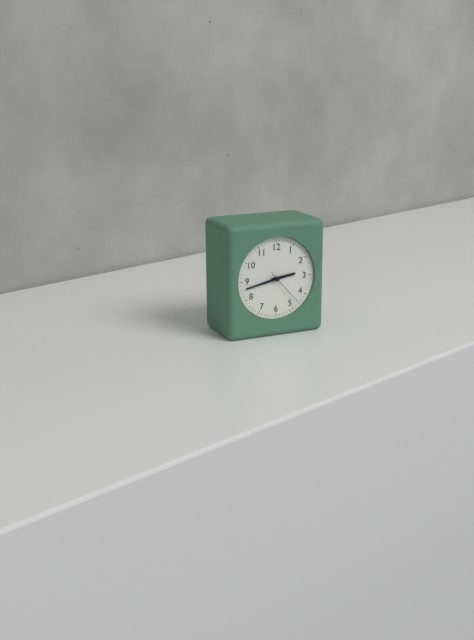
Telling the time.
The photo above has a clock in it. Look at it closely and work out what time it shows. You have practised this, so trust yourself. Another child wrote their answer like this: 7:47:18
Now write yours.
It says 2:43:23
